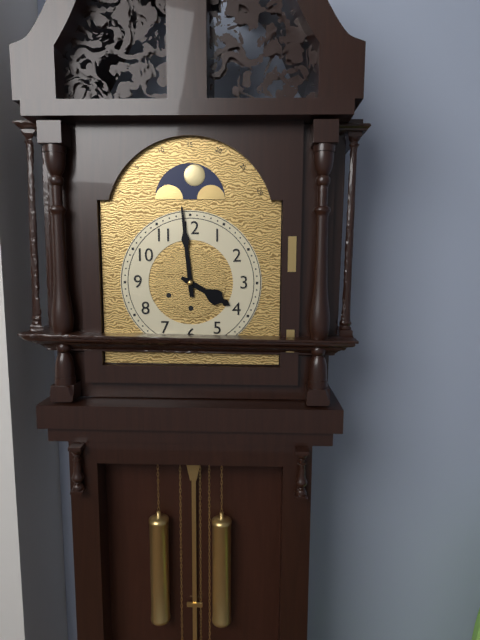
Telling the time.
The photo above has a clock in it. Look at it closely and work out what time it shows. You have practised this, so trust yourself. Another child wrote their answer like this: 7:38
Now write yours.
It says 3:59
